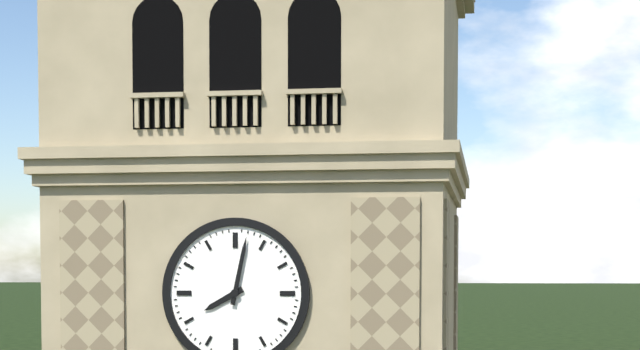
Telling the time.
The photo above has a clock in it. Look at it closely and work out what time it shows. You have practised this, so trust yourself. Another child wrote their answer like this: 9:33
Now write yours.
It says 8:02
